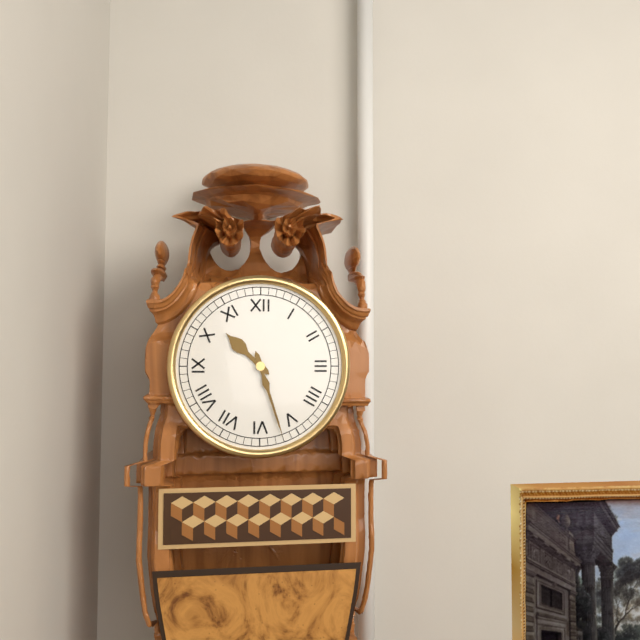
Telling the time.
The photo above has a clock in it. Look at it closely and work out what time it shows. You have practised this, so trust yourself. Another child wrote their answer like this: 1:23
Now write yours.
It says 10:27
